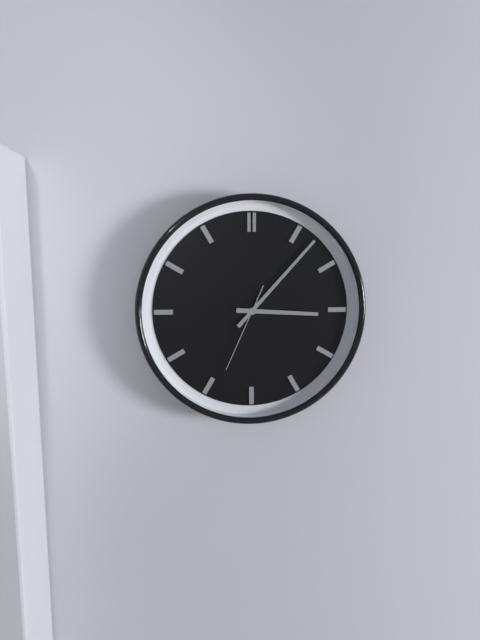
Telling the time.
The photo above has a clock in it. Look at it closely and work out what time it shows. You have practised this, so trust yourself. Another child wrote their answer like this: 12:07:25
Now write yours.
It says 3:07:34
